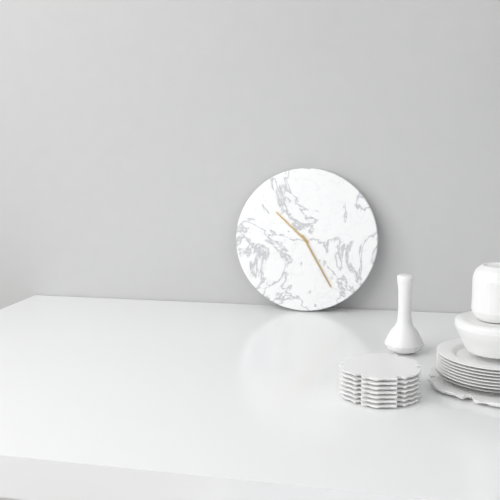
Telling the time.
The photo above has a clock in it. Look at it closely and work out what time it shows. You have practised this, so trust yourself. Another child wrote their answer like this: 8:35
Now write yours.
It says 10:25
